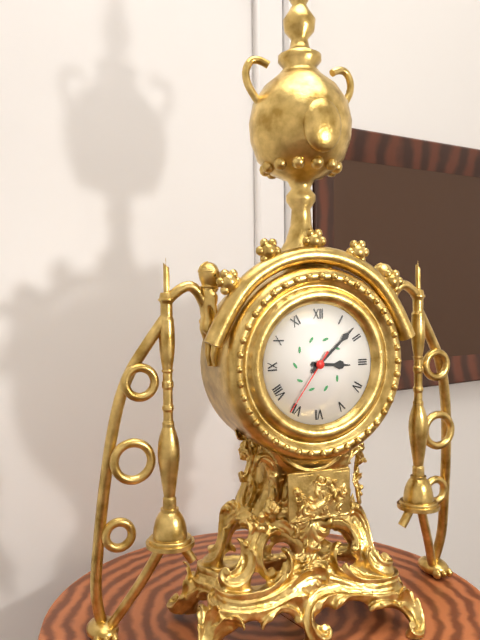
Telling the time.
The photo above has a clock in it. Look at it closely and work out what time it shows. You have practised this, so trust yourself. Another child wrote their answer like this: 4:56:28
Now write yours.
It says 3:08:36
